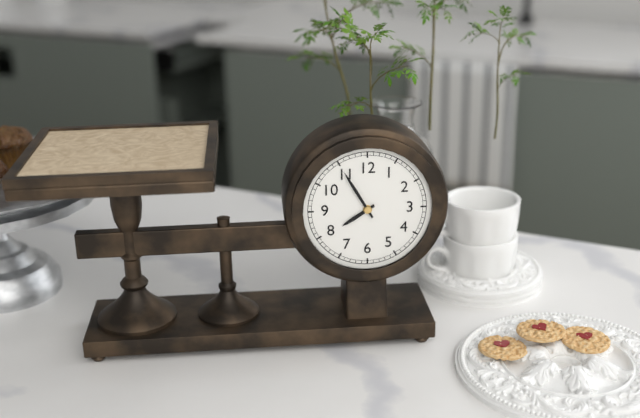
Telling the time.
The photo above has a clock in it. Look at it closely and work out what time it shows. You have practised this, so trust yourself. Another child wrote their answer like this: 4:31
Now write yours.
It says 7:55
